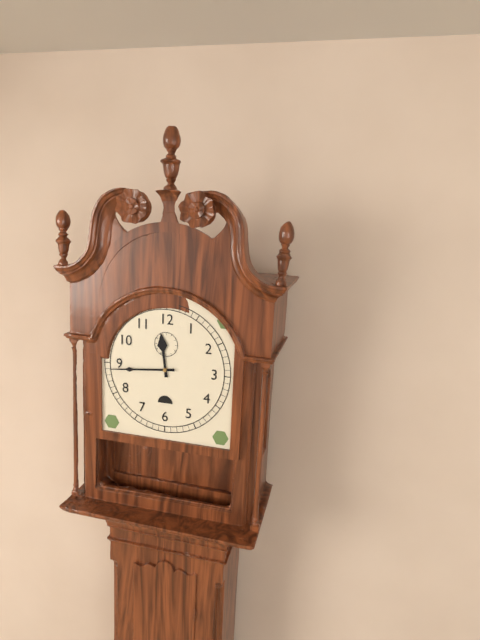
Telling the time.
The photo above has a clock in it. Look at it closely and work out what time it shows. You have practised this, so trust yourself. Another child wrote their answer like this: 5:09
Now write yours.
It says 11:44
